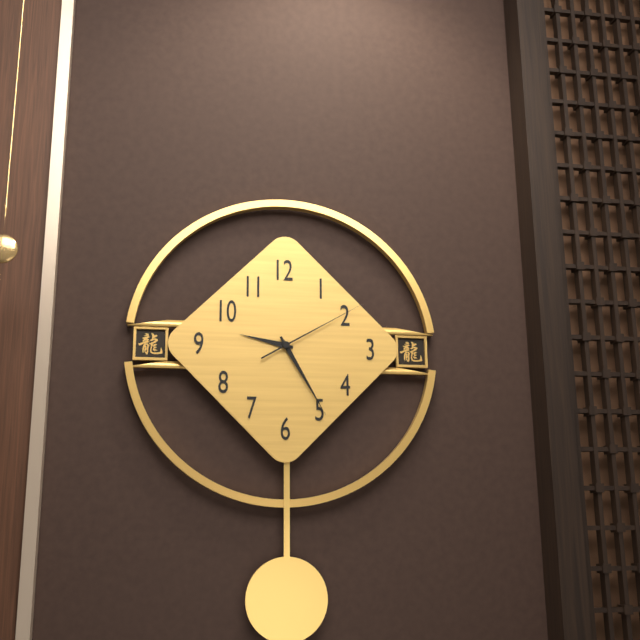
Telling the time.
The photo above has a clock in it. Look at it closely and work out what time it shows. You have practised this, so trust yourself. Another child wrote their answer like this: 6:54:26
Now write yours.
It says 9:25:10
